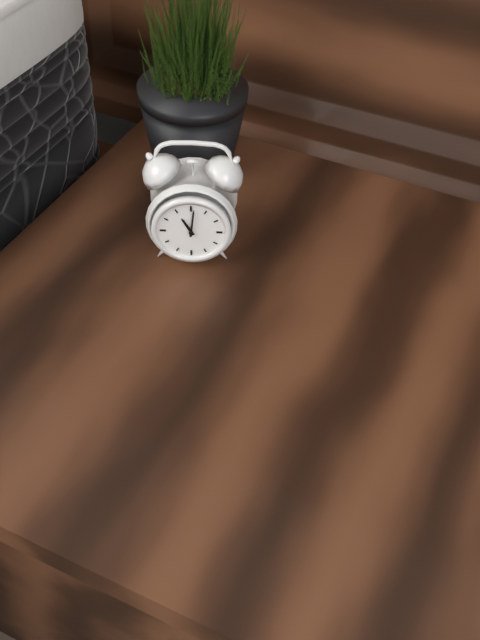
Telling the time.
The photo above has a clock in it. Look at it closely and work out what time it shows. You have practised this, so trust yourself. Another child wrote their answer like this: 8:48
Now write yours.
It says 11:01
